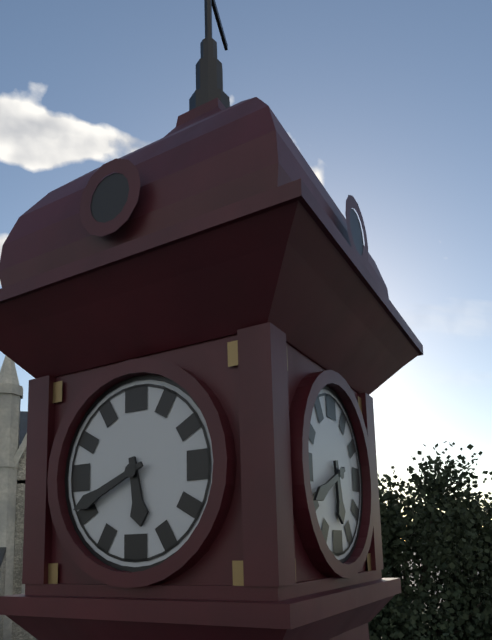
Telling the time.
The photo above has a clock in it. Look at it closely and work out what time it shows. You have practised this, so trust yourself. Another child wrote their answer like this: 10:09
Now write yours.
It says 5:41
